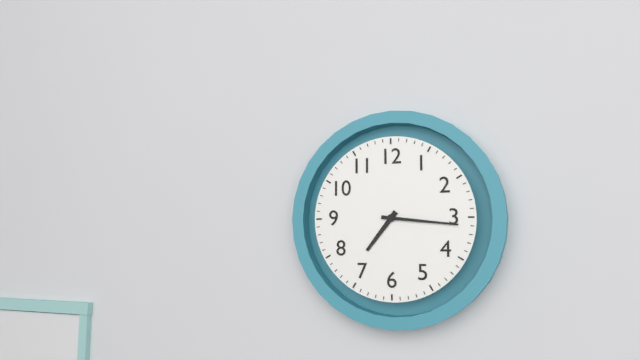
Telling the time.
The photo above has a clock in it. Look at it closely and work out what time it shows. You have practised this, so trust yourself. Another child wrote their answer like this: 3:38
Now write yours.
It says 7:16
